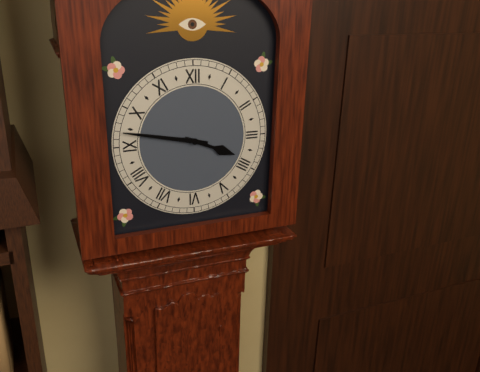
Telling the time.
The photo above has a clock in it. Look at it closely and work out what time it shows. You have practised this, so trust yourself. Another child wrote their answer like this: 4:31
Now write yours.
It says 3:47
